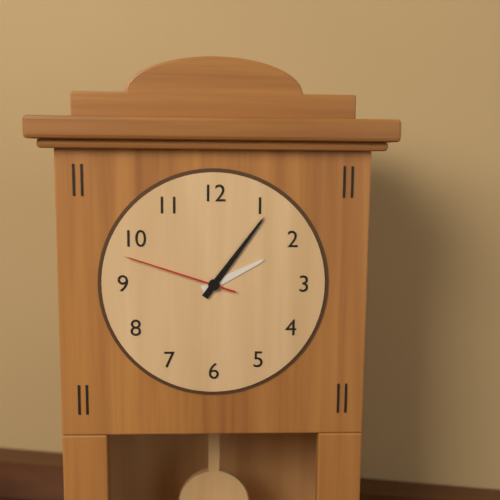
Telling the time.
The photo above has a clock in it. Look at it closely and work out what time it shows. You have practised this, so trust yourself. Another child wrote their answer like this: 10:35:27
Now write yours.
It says 2:06:48
